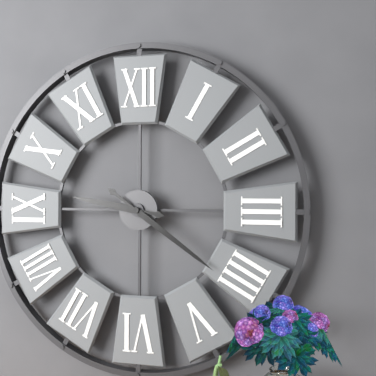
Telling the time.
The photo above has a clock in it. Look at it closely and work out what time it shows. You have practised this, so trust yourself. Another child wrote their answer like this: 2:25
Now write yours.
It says 9:21
